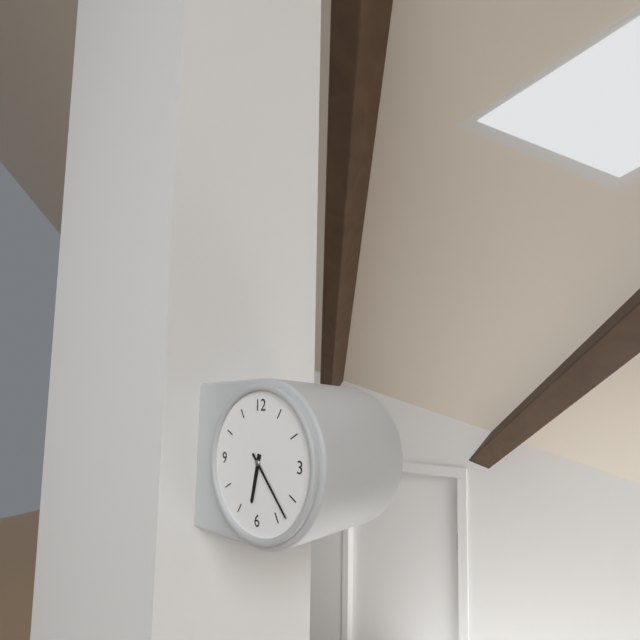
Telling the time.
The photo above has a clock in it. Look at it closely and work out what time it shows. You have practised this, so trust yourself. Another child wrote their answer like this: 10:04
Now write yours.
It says 6:23
